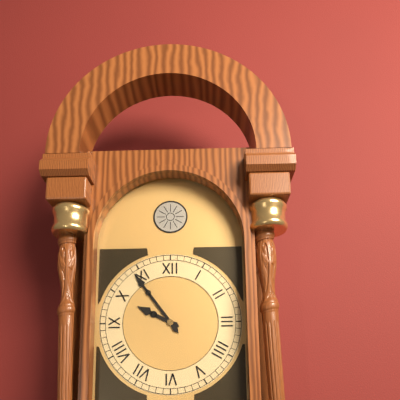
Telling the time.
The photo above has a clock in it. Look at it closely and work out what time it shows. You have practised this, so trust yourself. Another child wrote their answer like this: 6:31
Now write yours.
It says 9:54
